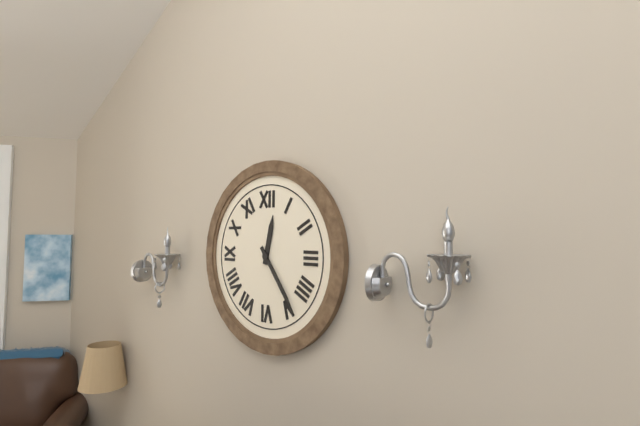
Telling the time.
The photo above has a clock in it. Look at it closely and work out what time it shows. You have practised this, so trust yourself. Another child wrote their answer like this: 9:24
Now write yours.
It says 12:24
